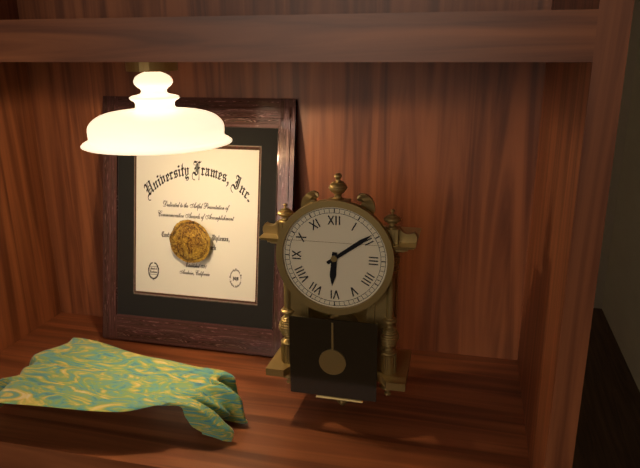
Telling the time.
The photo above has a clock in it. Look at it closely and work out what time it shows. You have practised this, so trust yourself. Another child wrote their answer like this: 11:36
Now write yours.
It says 6:09
